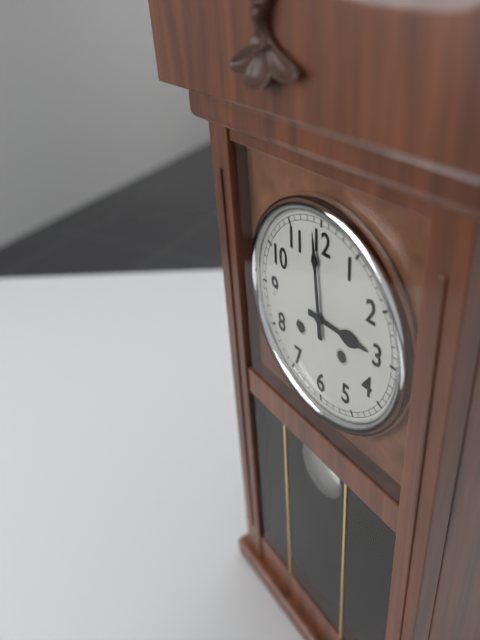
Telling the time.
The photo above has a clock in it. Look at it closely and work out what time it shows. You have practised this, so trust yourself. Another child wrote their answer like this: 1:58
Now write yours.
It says 2:59
